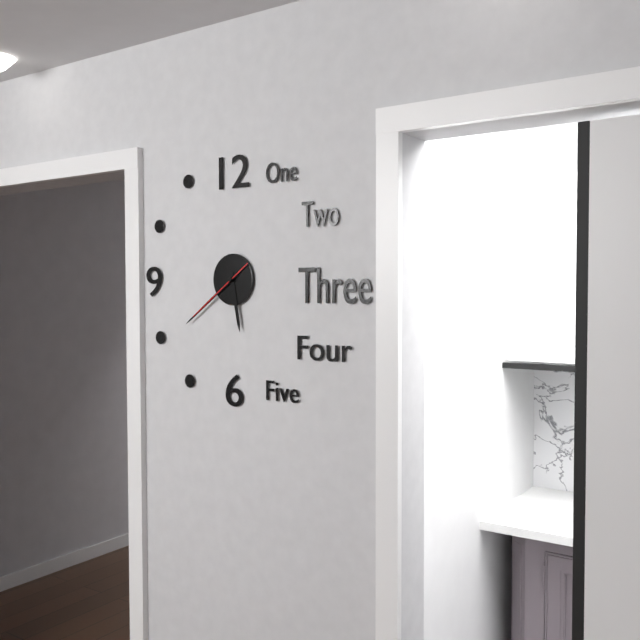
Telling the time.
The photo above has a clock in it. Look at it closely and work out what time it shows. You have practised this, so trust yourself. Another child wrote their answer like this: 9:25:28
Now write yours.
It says 5:39:39
